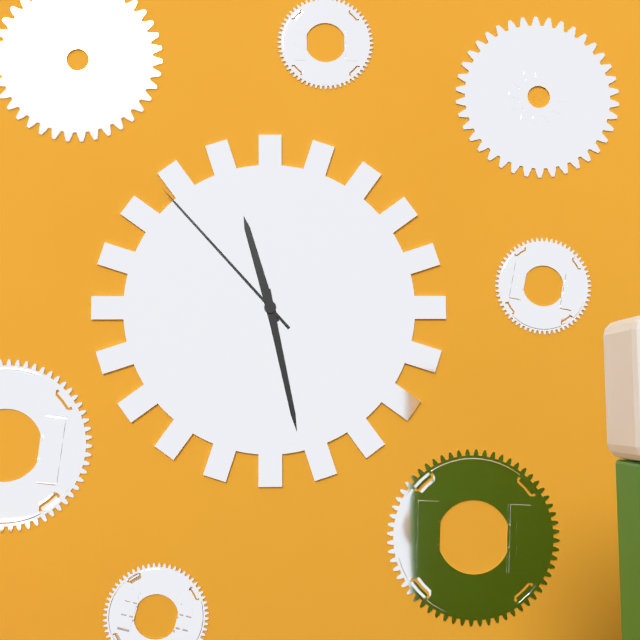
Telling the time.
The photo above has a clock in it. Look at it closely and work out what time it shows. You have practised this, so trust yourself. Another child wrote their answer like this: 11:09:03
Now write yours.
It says 11:28:53
